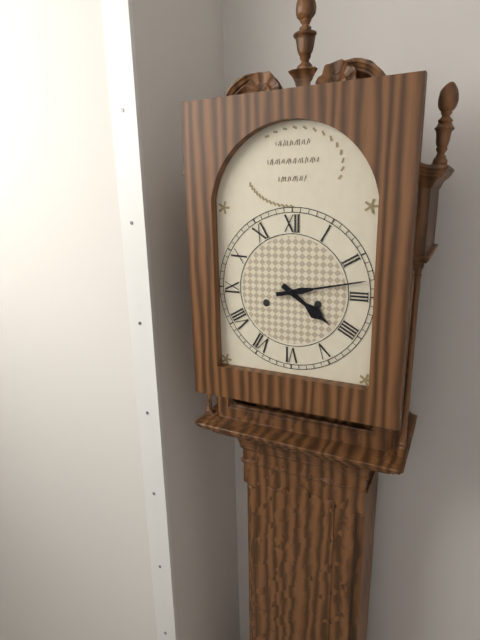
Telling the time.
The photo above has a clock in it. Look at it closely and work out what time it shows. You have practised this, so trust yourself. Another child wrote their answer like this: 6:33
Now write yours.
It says 4:13
